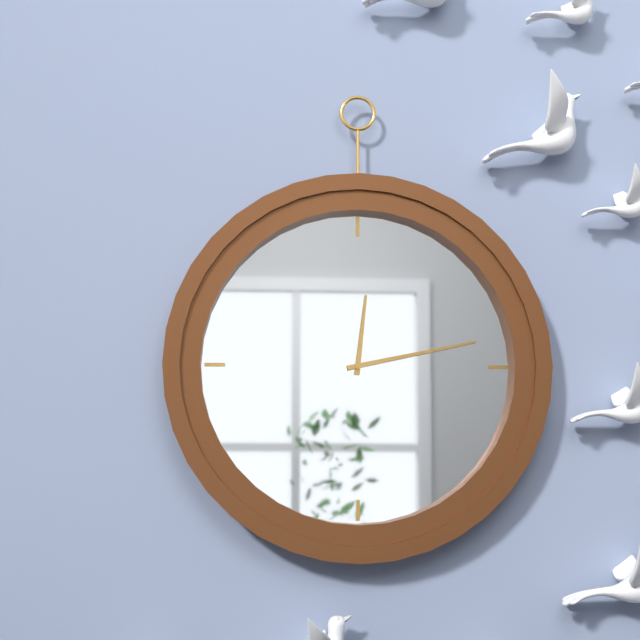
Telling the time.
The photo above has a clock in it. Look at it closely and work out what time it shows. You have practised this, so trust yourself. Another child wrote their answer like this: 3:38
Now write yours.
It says 12:13
